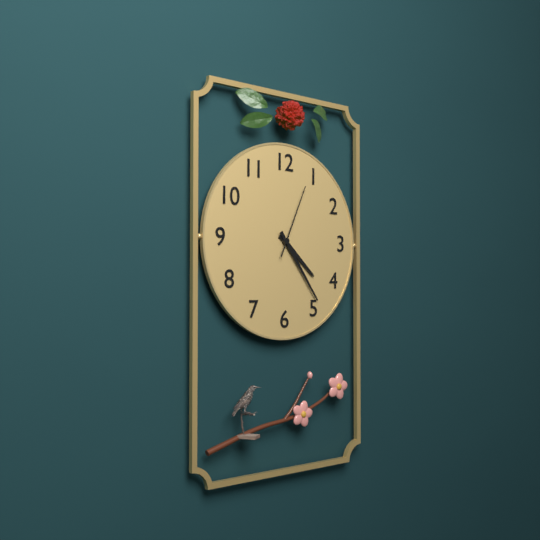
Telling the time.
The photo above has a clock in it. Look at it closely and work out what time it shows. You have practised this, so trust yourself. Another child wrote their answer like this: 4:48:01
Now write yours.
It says 4:24:04
